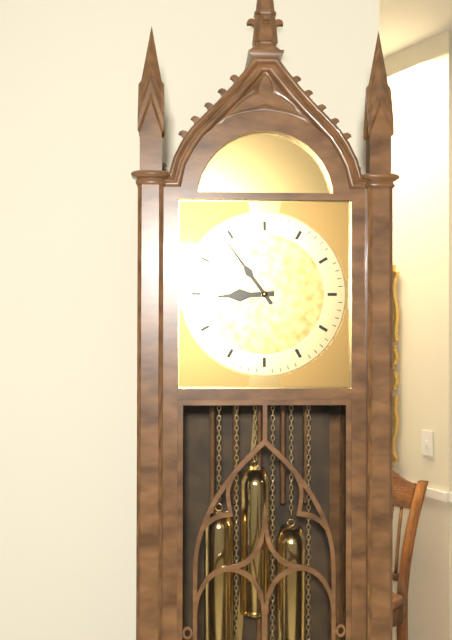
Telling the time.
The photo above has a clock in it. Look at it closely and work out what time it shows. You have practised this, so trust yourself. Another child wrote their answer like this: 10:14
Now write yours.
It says 8:54
